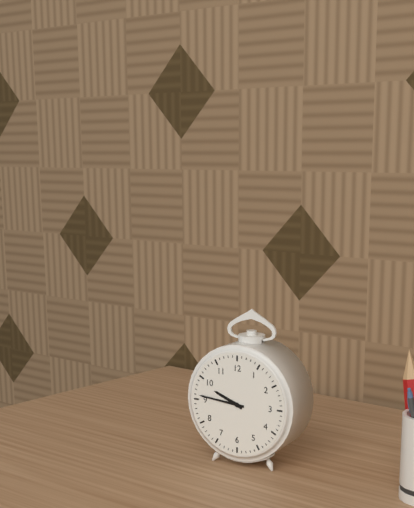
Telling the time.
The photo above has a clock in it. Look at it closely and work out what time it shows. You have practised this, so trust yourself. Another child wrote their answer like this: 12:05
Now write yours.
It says 9:46
